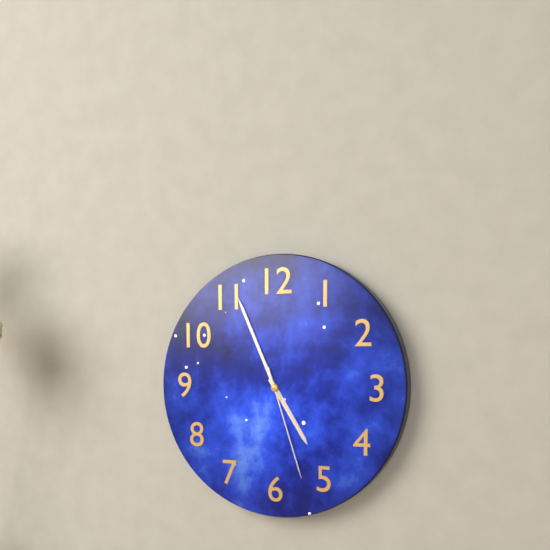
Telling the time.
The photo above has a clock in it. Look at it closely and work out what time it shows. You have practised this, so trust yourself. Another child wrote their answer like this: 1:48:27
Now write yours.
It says 4:56:27
